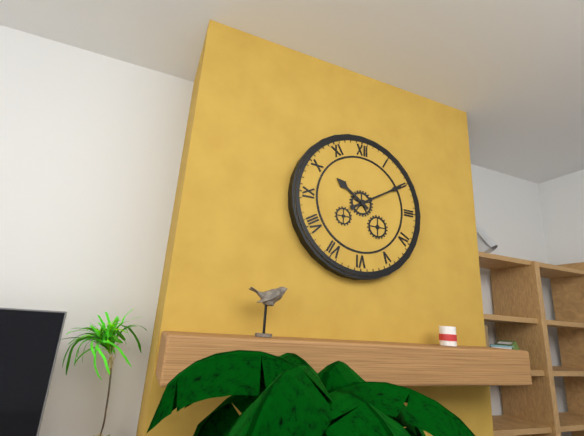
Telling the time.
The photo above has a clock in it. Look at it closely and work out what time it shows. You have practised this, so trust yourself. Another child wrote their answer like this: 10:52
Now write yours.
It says 10:10
